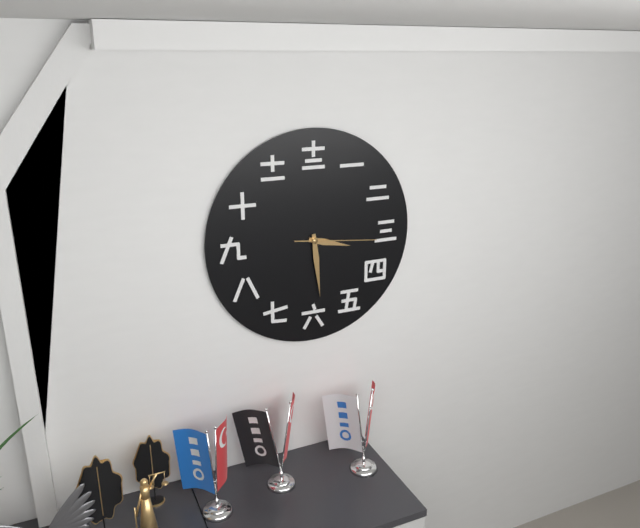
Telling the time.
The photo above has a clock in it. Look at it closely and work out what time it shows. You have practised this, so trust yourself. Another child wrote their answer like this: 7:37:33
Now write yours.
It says 3:29:16
